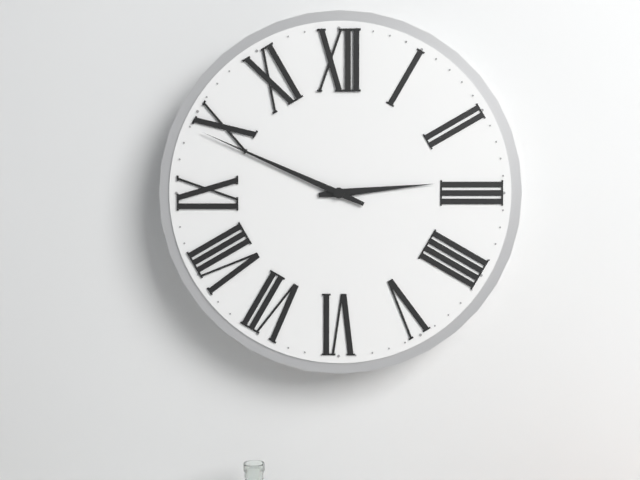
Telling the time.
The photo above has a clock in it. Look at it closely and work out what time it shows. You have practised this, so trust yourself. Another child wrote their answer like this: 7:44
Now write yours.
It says 2:49
